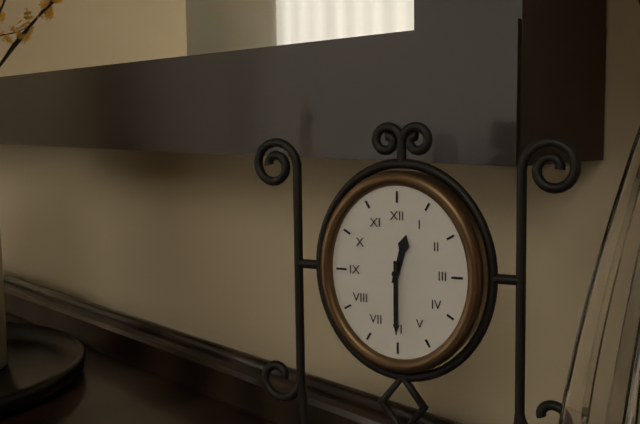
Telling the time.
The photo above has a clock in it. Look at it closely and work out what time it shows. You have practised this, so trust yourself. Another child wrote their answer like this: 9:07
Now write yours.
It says 12:30
